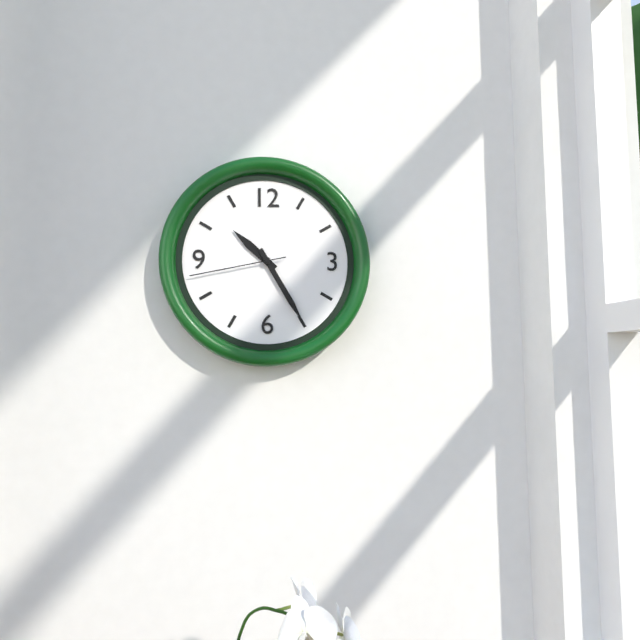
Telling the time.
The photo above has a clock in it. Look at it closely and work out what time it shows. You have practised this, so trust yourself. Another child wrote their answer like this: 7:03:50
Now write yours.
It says 10:25:43
